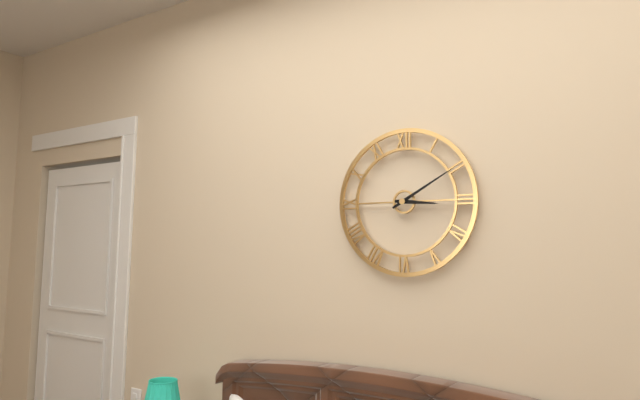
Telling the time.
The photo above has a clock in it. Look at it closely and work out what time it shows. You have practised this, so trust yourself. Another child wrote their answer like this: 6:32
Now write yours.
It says 3:10
